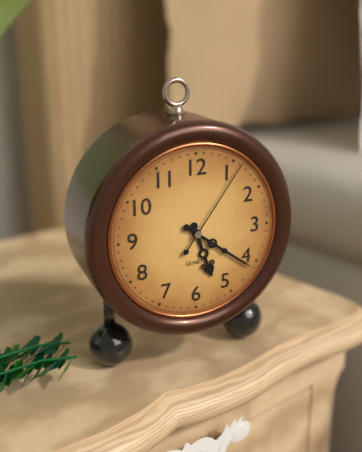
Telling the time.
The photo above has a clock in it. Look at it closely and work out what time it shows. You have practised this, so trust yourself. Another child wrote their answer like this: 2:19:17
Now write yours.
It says 5:21:06
